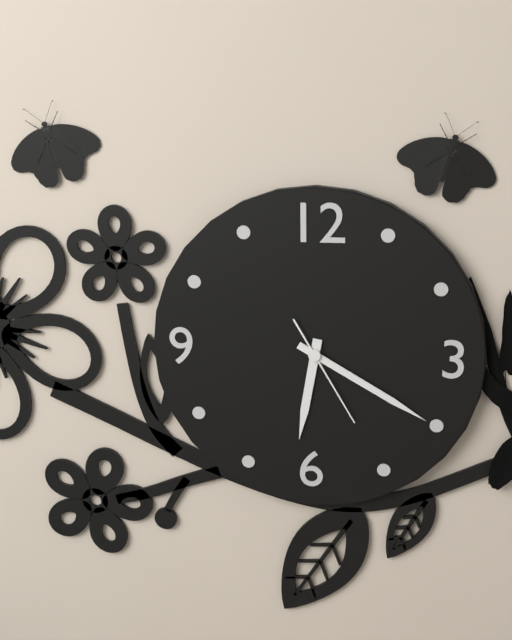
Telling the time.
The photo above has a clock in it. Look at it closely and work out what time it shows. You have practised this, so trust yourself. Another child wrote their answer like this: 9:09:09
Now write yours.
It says 6:20:25
